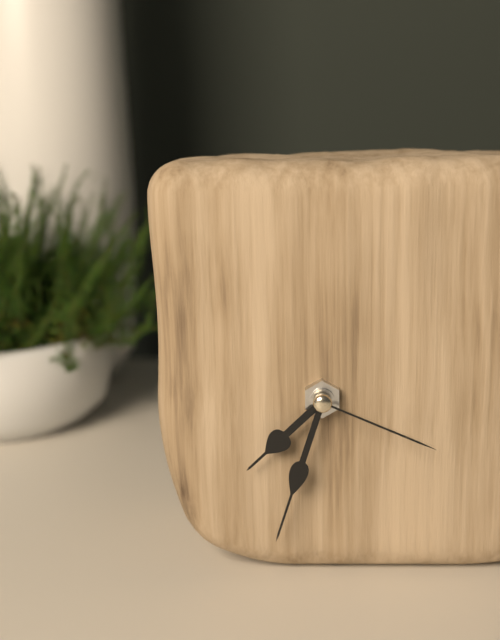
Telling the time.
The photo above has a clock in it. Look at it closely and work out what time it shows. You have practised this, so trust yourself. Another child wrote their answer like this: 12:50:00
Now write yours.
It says 7:33:19
